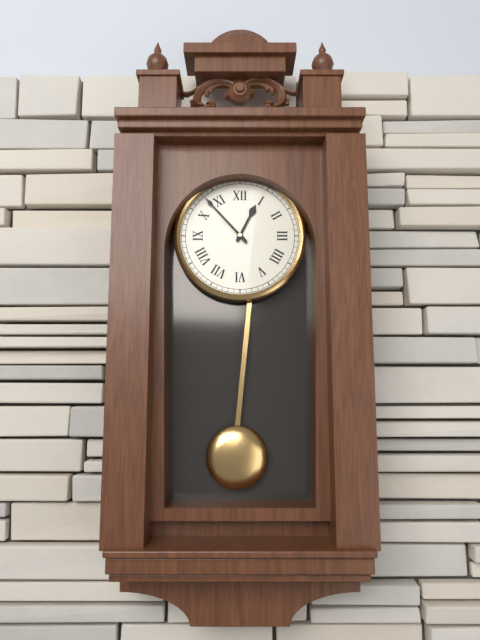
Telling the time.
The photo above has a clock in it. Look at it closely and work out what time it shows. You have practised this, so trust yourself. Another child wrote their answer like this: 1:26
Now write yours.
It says 12:53
